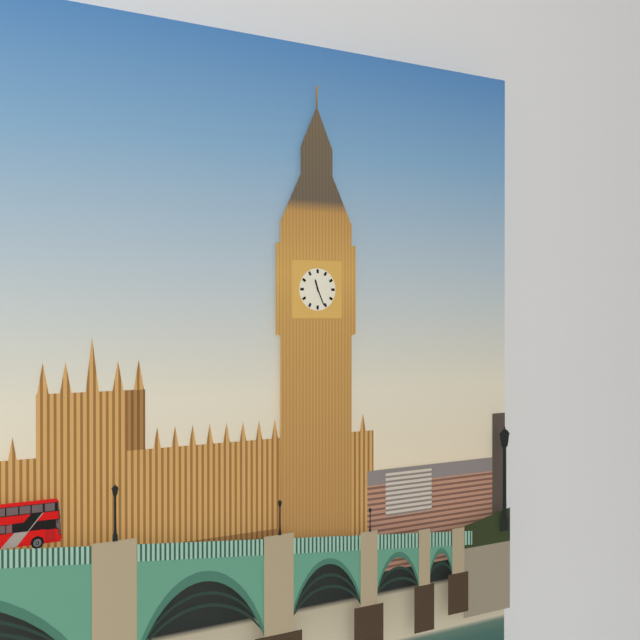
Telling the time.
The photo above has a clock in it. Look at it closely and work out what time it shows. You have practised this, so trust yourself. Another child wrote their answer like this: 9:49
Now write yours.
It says 11:26
